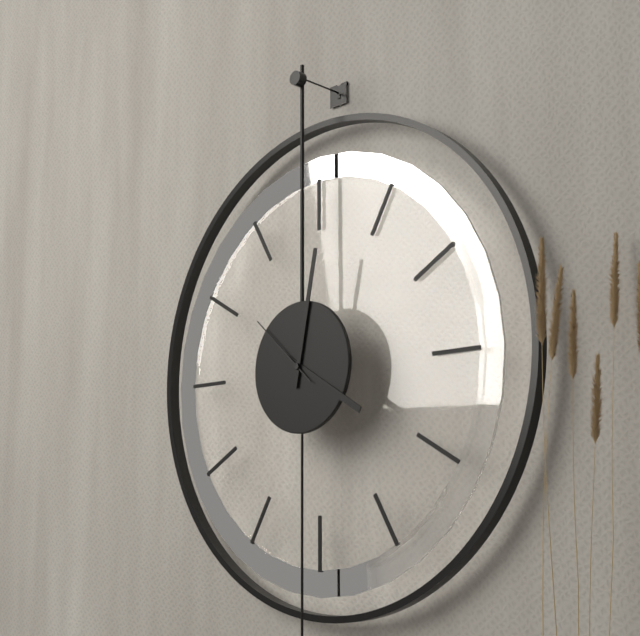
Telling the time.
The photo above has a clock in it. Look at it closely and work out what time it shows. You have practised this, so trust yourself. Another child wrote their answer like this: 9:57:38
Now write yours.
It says 4:02:52
